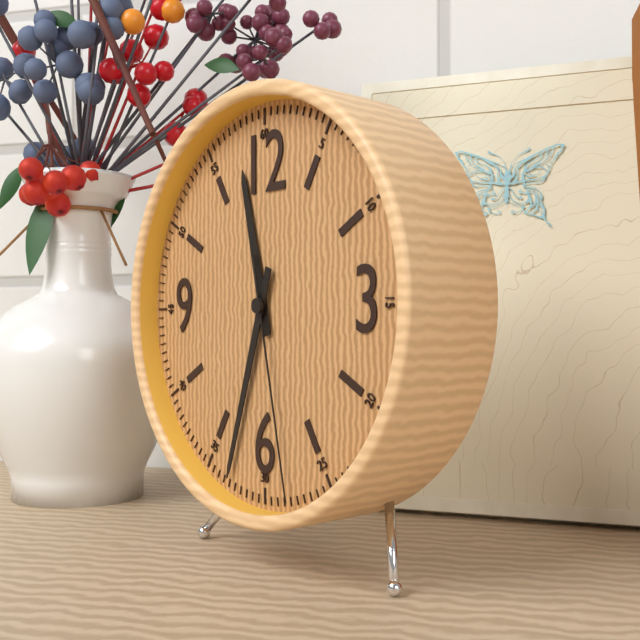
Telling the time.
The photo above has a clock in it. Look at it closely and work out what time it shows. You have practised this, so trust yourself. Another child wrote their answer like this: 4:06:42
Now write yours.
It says 11:33:28
